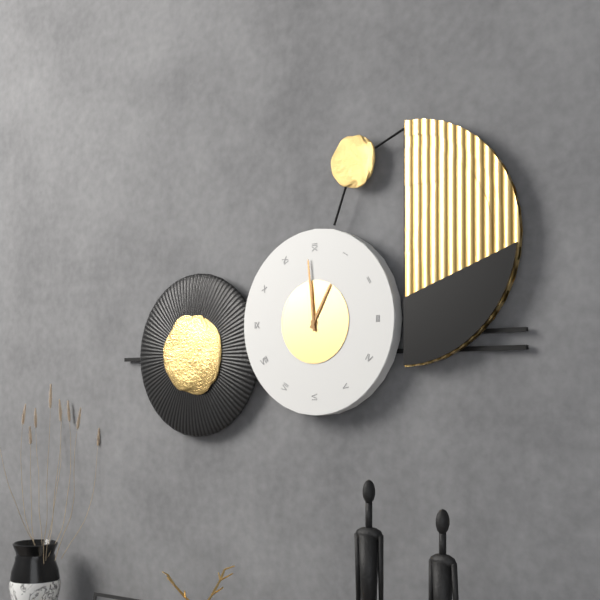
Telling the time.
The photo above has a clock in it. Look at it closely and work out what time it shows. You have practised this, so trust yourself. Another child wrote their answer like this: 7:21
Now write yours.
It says 12:59
